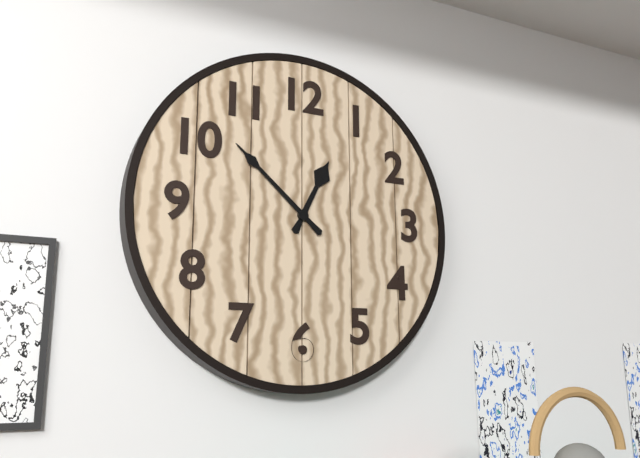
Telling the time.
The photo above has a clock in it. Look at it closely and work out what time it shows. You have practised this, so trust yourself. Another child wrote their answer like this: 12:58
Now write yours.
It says 12:52
